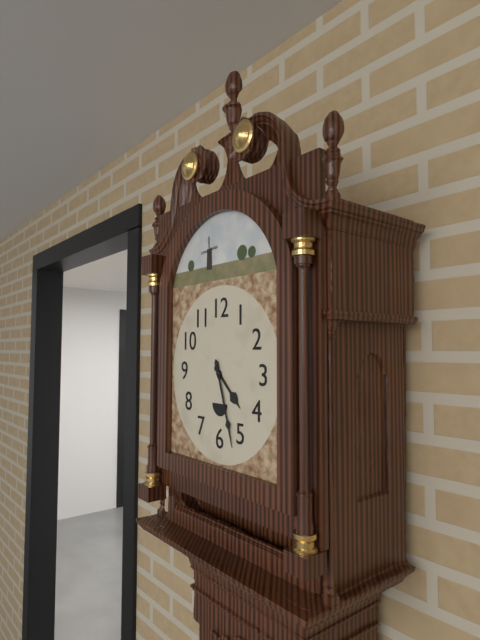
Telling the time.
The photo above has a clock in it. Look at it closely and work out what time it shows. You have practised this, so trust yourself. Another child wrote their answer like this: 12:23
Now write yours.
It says 4:27
